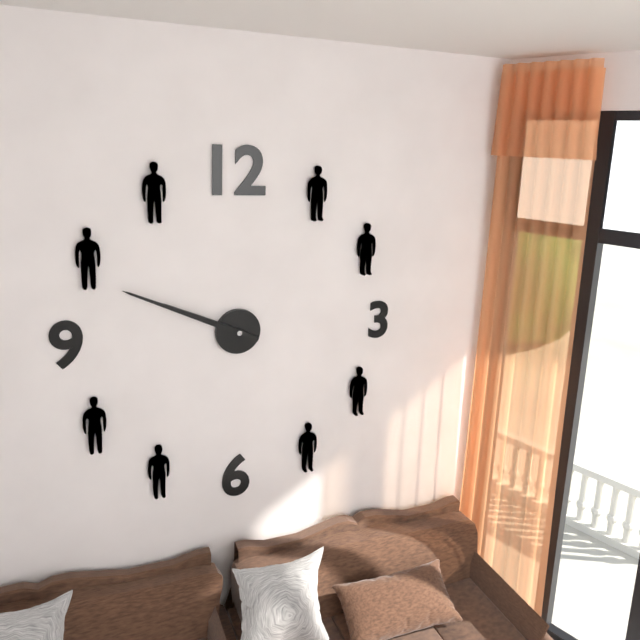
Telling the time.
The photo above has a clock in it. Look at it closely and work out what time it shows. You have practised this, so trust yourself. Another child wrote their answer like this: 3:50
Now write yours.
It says 9:49
